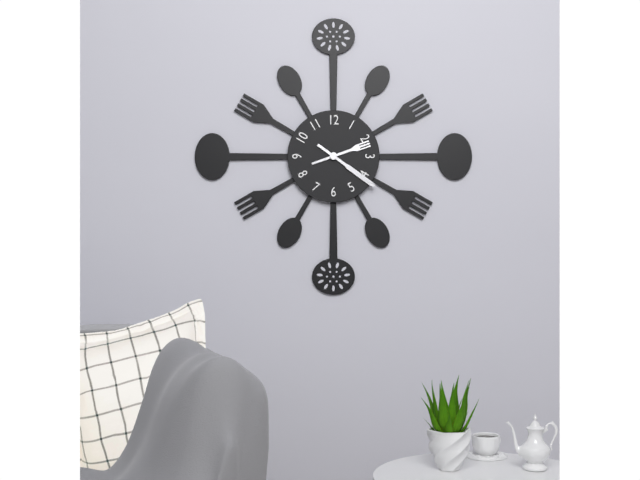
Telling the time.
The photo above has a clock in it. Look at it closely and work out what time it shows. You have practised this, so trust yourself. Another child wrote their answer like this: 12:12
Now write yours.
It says 2:21
